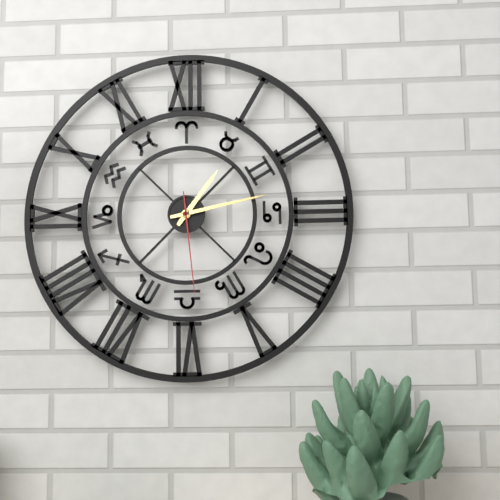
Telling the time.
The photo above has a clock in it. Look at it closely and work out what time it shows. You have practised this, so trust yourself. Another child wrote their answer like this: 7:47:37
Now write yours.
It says 1:13:29
